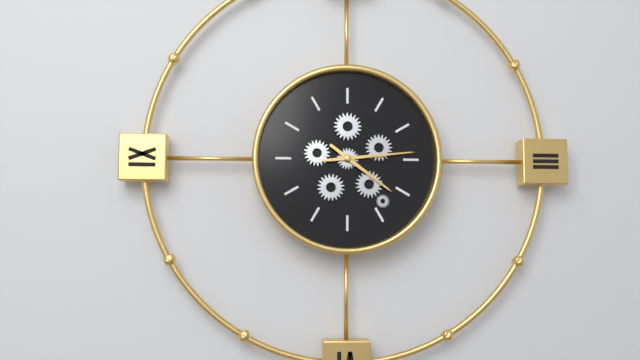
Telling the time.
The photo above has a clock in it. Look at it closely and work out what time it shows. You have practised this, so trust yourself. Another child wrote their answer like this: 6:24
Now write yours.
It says 4:14
